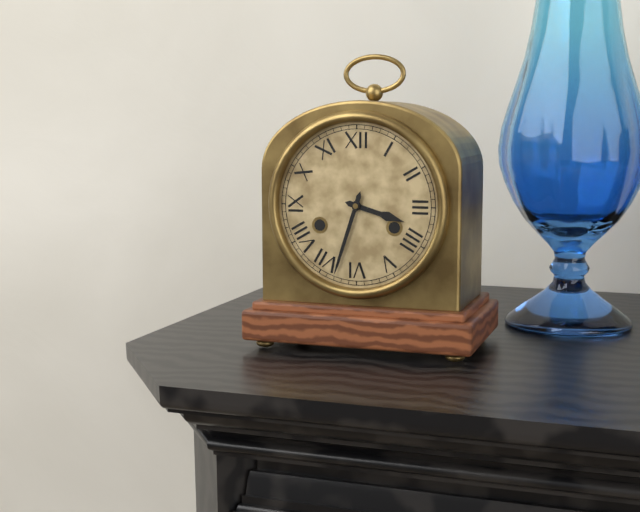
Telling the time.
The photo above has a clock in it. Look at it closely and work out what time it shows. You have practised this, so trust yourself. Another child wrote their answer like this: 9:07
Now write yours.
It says 3:33
